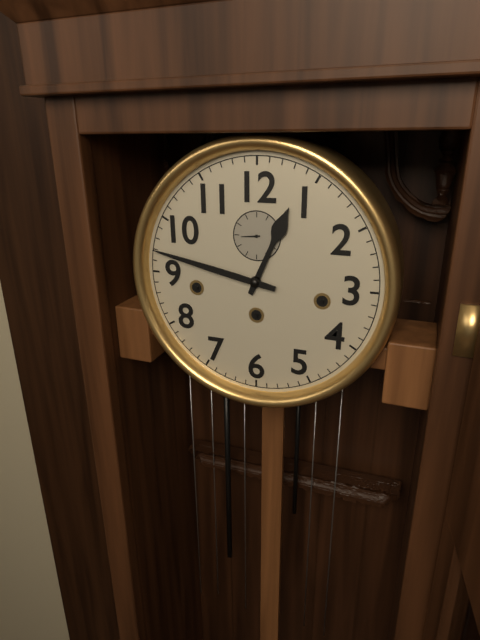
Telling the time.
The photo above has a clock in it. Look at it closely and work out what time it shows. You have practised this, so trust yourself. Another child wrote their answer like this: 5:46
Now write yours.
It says 12:47
